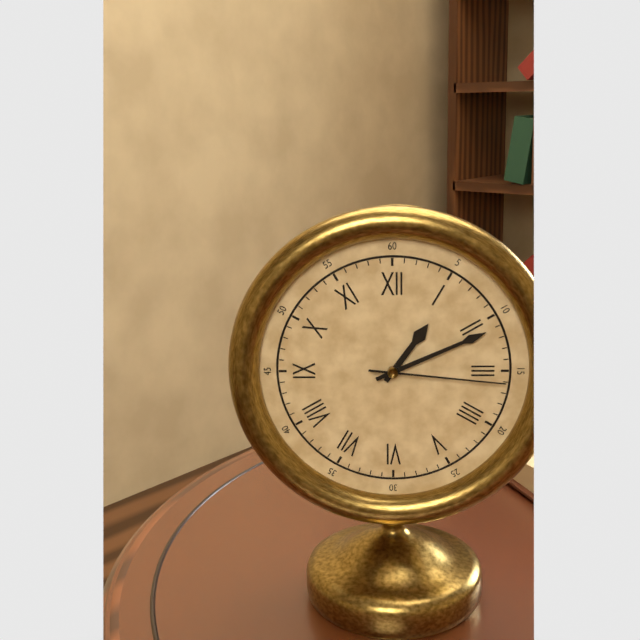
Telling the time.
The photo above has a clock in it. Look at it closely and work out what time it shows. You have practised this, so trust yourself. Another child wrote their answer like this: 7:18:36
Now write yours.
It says 1:11:16
